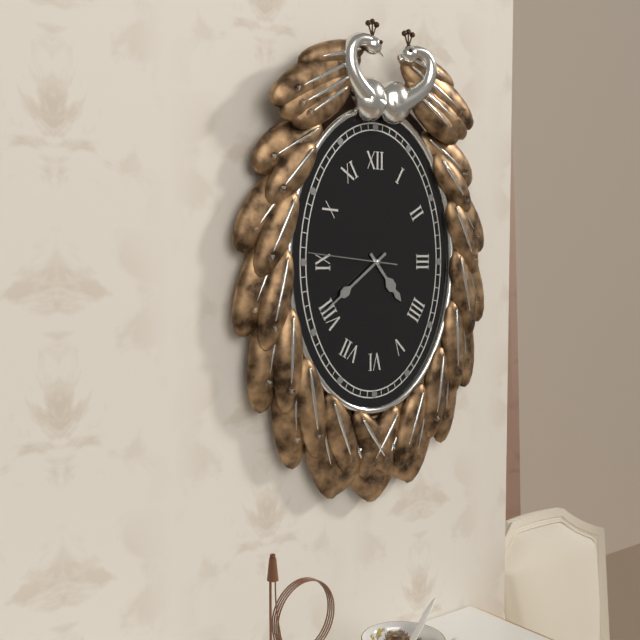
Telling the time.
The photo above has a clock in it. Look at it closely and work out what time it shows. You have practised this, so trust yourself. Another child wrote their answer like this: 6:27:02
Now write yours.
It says 4:39:46
